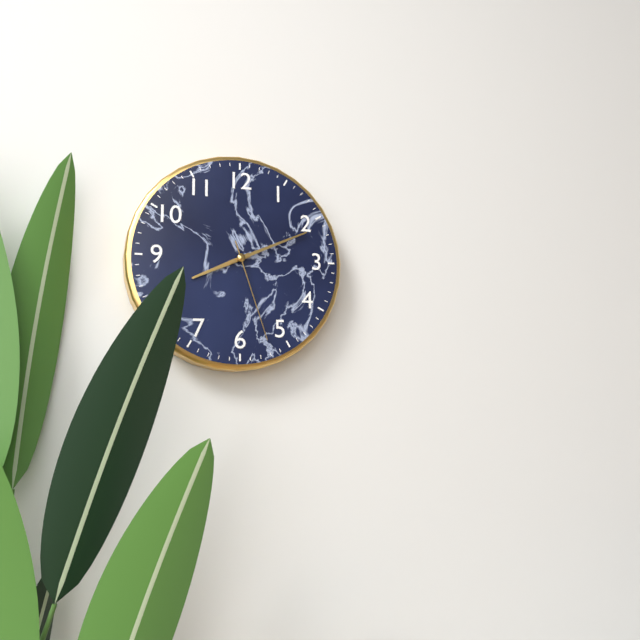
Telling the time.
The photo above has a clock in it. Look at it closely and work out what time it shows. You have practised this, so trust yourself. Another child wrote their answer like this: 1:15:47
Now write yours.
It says 8:11:27
